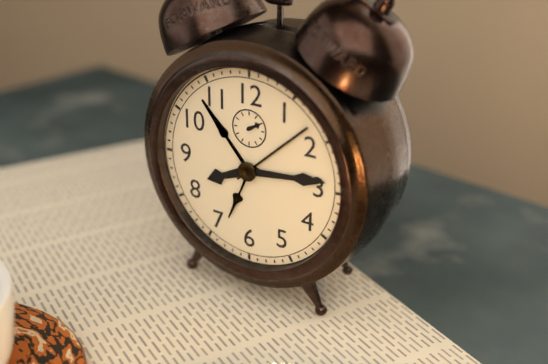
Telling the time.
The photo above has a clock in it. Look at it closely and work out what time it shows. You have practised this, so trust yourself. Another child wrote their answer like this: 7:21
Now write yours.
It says 8:14
